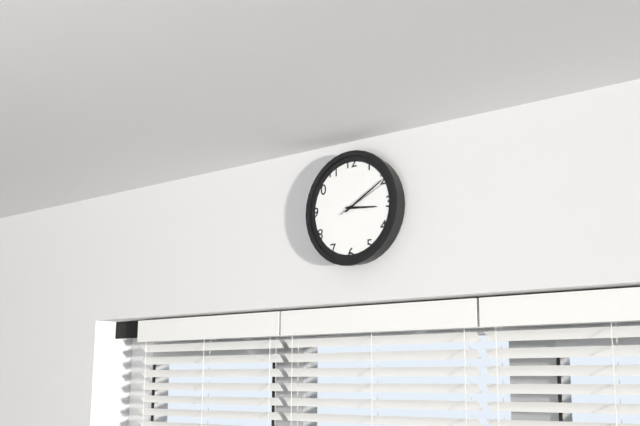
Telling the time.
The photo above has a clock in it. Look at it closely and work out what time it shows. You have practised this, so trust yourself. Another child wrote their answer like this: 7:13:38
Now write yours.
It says 3:10:11
